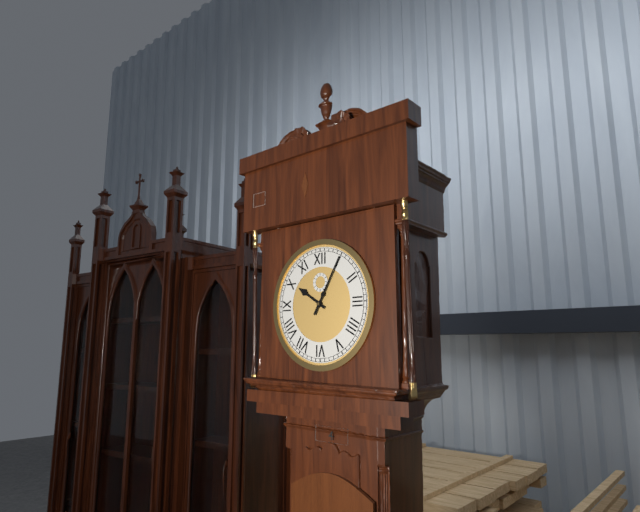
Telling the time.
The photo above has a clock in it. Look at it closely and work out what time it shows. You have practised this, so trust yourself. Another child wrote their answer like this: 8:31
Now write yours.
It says 10:05
